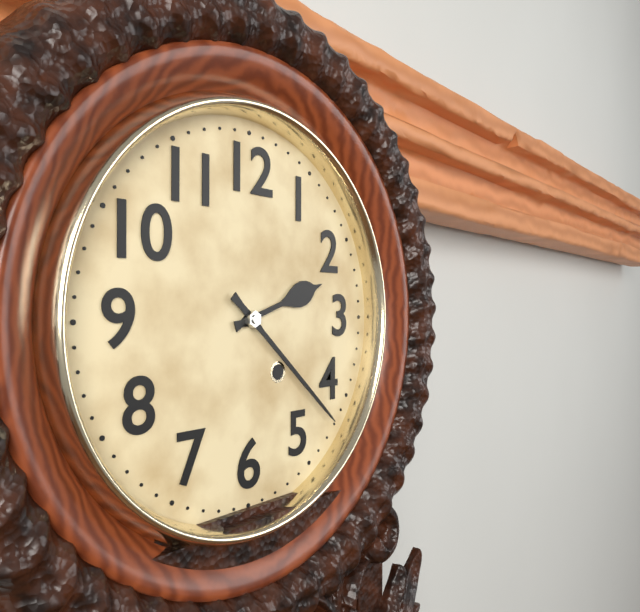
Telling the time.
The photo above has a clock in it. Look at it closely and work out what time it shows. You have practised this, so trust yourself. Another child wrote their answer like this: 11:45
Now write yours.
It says 2:22
